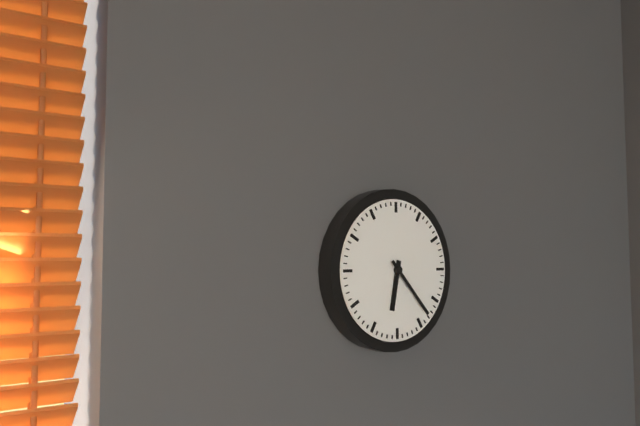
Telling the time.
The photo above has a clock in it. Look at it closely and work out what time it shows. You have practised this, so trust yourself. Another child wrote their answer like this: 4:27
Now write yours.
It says 6:23
